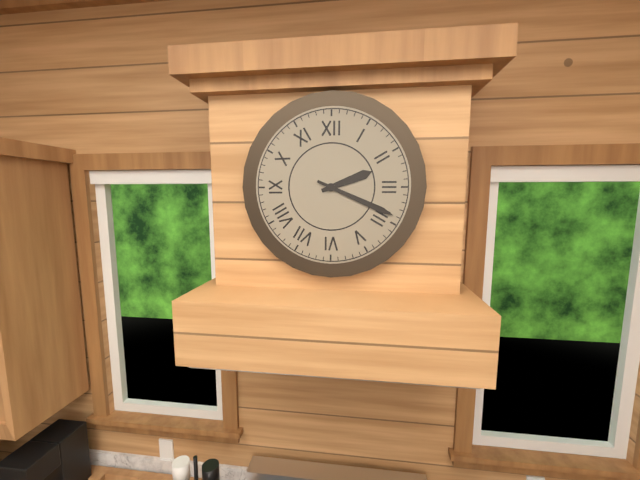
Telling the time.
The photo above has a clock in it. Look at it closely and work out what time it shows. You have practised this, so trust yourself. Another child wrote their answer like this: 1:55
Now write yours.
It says 2:19
